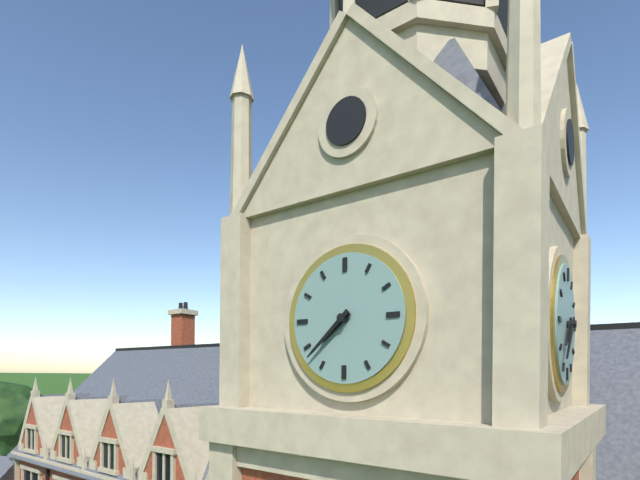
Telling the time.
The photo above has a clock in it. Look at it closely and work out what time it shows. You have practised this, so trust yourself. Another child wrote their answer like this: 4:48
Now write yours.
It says 7:38
